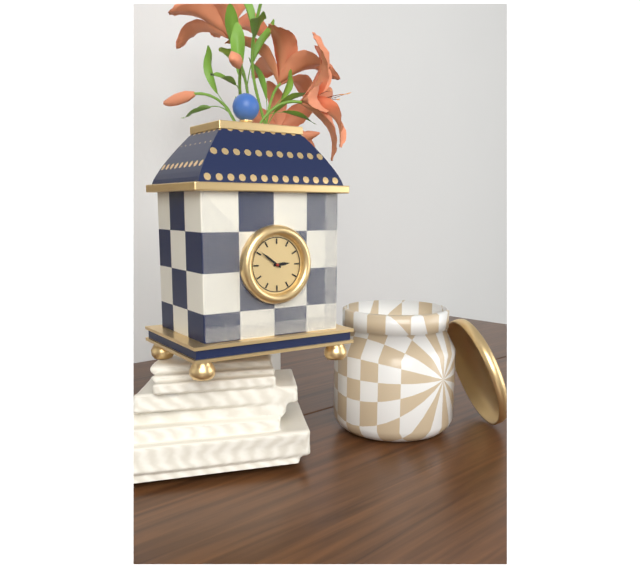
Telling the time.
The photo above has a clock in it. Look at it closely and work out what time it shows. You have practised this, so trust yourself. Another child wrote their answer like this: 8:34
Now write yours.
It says 2:51
